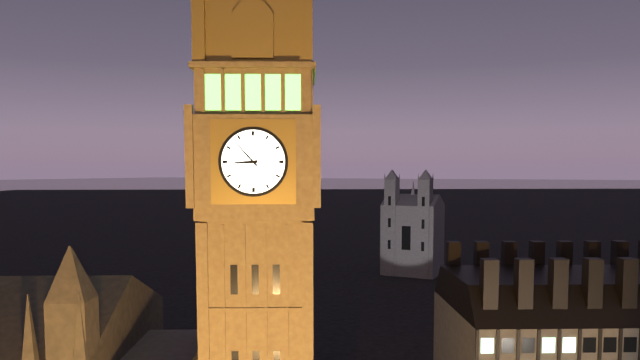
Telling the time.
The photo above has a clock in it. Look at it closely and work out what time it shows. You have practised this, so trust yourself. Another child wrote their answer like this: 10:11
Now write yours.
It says 8:53
